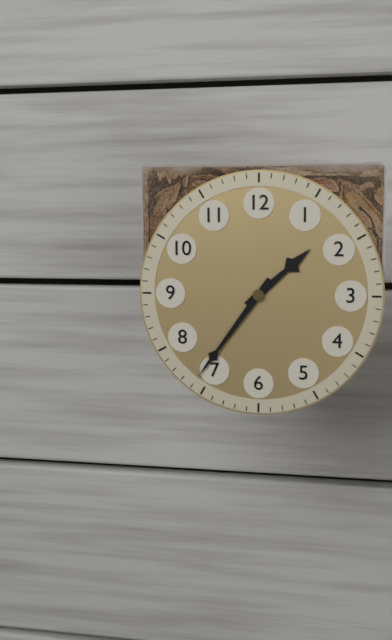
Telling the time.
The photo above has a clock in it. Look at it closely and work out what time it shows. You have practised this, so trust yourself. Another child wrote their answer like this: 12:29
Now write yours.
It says 1:36
